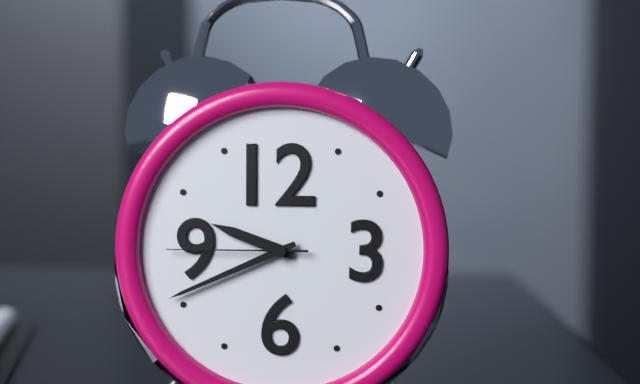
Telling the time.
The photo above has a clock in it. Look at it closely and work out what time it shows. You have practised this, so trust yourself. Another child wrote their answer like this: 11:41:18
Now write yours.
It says 9:41:45
